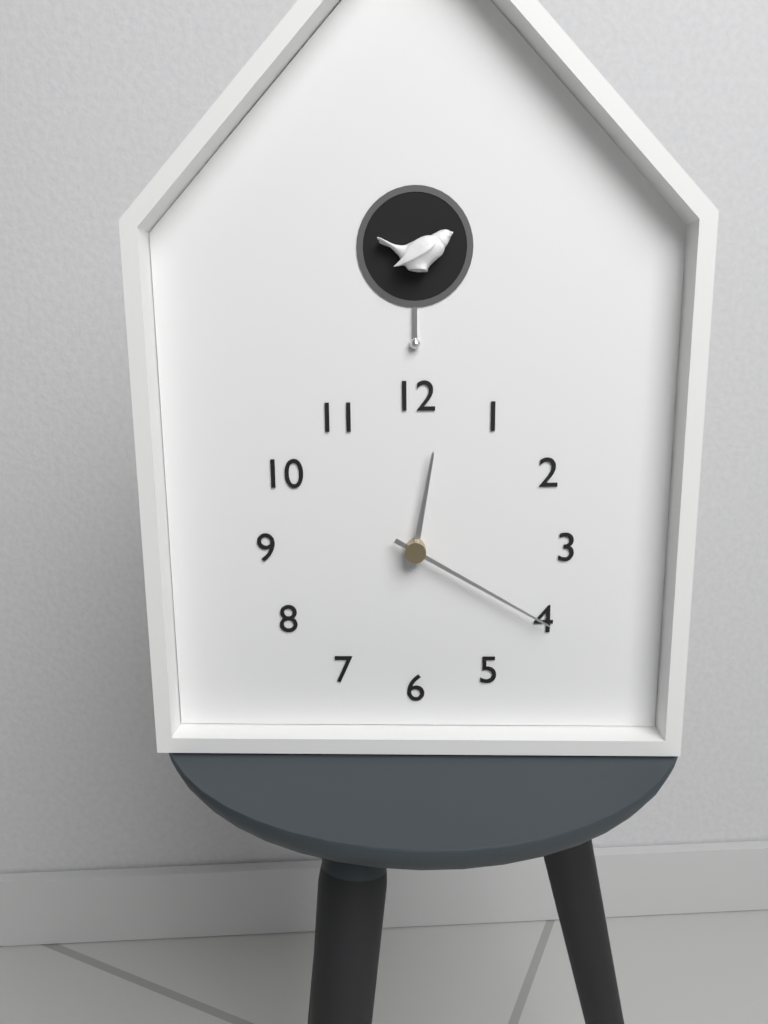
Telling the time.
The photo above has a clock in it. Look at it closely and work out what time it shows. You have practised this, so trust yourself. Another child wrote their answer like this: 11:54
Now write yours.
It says 12:20
